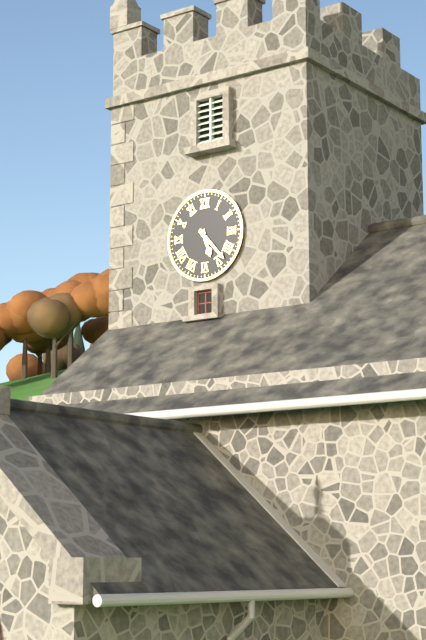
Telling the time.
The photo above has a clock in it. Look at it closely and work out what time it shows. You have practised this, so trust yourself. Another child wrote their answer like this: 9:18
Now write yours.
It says 5:23
